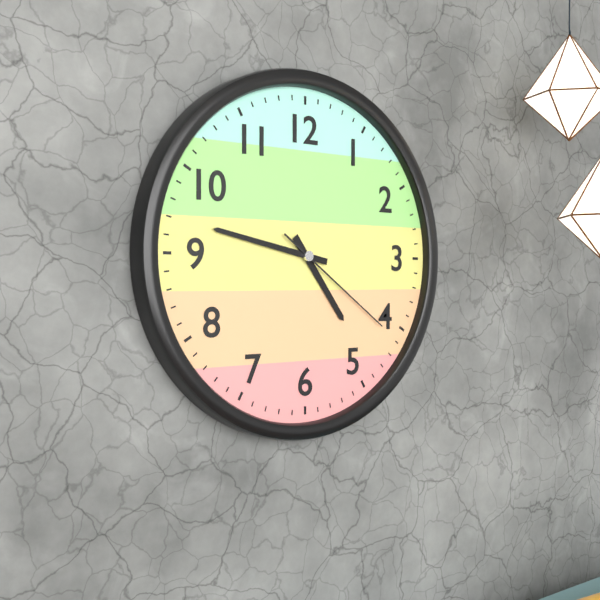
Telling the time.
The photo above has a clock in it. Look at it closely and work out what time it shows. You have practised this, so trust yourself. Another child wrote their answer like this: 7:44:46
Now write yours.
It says 4:47:21
